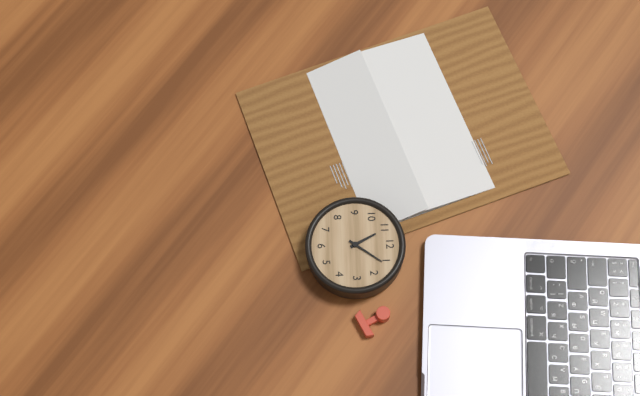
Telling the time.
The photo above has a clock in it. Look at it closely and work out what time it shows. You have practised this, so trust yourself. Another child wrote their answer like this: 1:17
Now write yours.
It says 11:06
